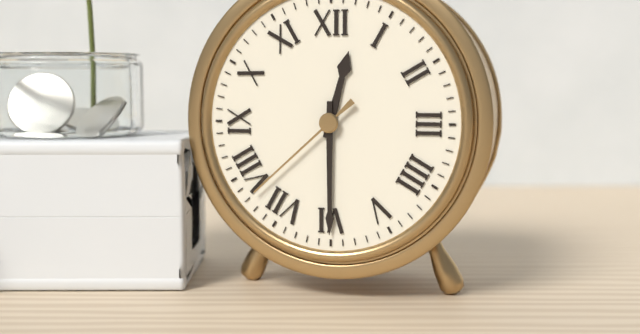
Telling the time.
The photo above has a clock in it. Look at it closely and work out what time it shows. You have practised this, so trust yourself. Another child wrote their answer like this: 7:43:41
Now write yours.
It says 12:30:38
